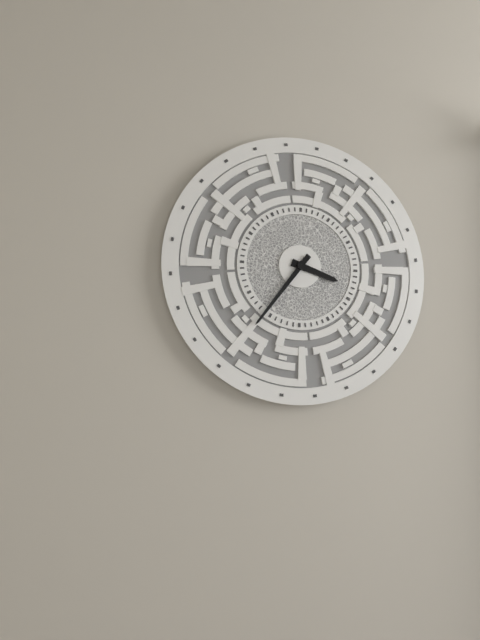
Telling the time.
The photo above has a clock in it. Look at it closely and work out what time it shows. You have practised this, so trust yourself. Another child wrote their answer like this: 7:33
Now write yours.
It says 3:36
